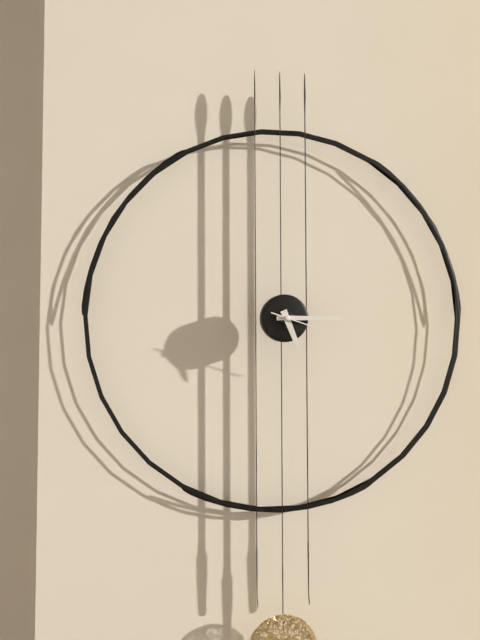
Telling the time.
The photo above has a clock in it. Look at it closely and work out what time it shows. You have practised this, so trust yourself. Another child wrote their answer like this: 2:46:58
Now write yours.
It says 5:15:18
